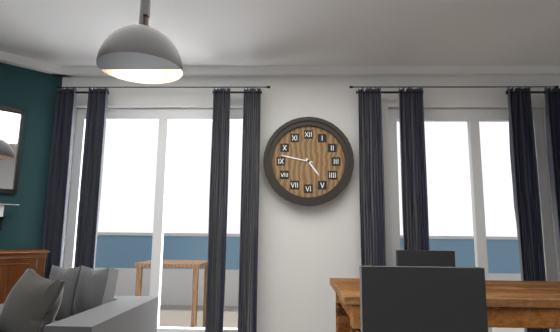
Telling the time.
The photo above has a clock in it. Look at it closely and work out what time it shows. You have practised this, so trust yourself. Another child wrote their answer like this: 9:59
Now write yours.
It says 4:47
